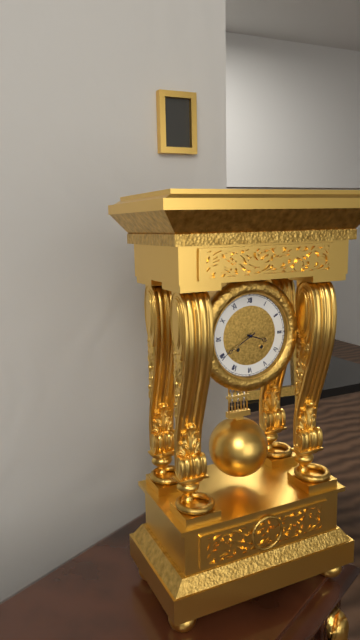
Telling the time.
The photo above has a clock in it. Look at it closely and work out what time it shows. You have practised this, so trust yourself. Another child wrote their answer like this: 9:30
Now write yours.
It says 3:40
